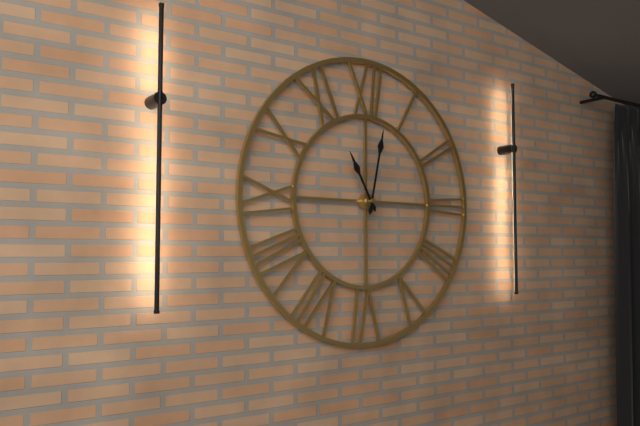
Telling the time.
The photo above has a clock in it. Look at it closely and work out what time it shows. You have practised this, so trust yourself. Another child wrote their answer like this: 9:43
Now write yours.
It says 11:02
